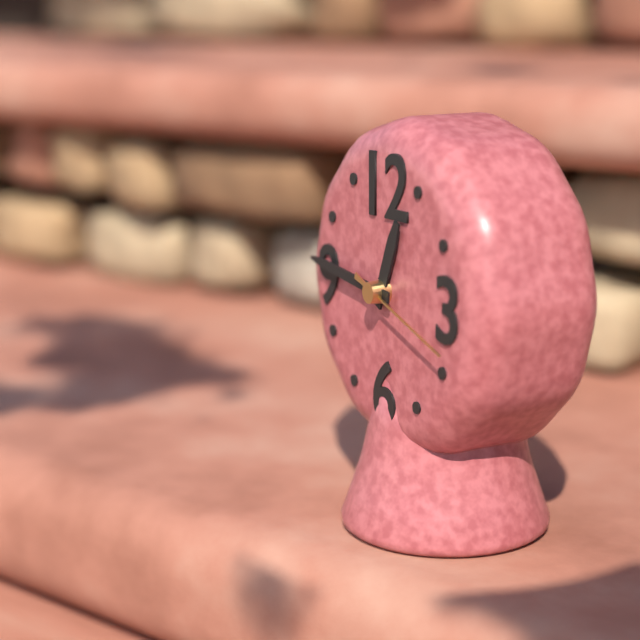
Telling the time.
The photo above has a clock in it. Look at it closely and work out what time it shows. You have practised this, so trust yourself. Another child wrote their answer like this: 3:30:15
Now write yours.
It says 12:46:18
